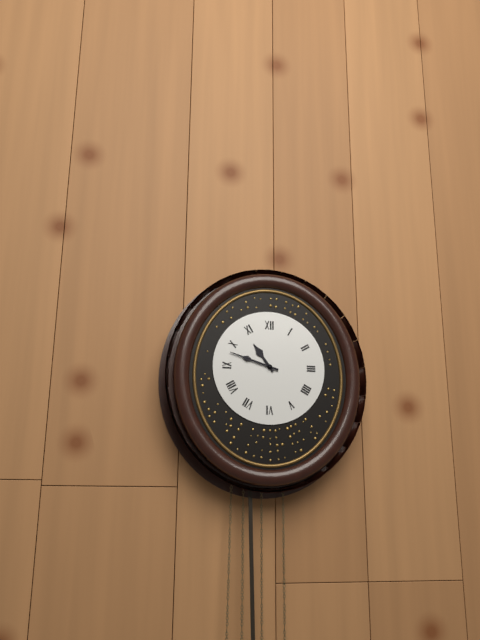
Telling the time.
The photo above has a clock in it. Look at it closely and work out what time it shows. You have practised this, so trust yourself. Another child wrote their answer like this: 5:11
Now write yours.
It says 10:48
